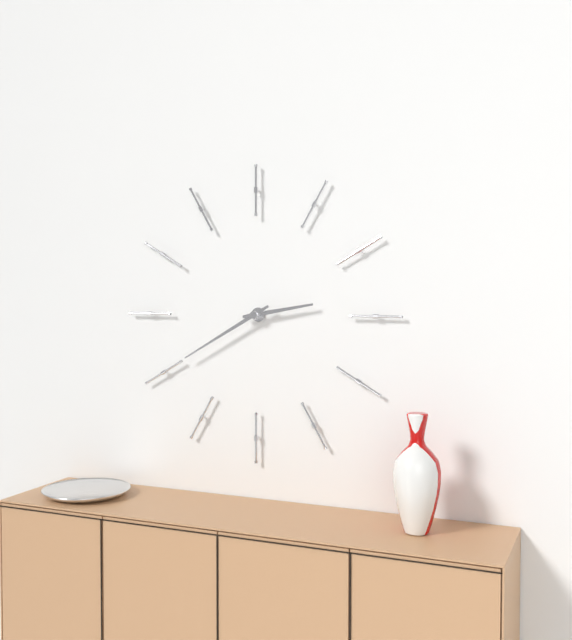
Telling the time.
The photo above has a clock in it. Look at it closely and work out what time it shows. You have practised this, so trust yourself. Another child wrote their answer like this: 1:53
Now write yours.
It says 2:40
